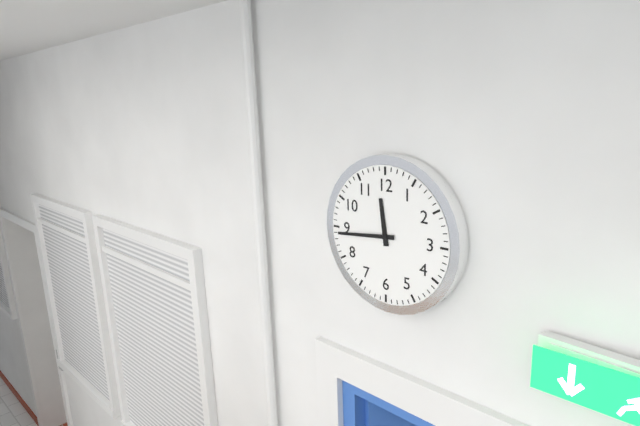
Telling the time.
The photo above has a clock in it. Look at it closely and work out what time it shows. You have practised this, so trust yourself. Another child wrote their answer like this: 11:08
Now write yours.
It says 11:44
